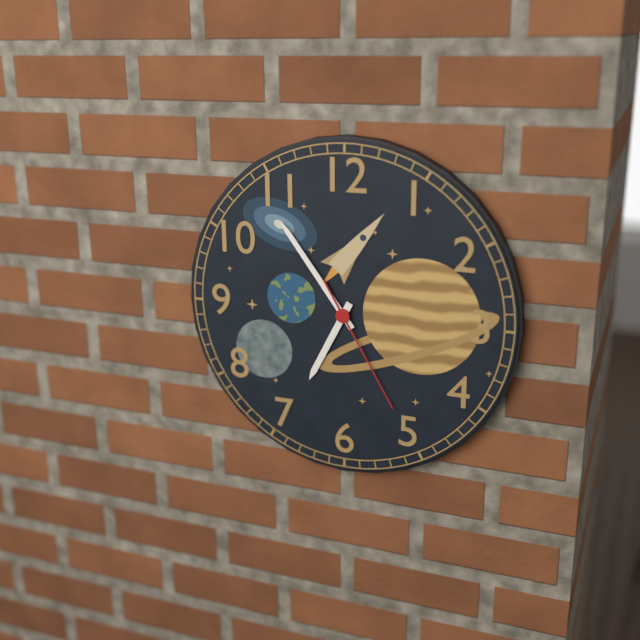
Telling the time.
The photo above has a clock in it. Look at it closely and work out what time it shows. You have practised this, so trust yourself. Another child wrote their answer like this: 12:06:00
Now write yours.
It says 6:54:25
